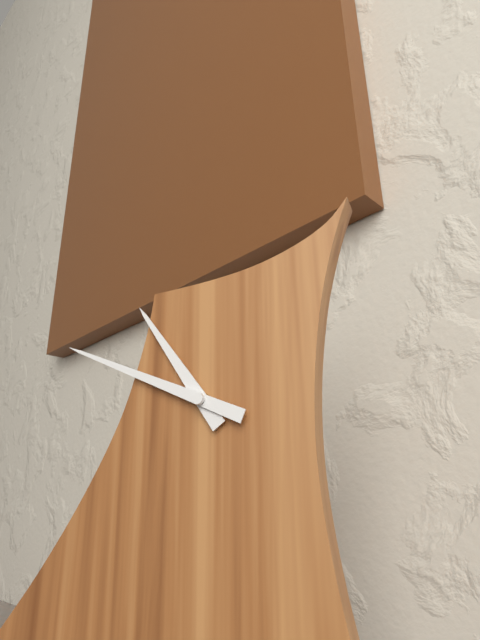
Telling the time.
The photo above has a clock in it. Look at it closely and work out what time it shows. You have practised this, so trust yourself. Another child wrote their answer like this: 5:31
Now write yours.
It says 10:49
